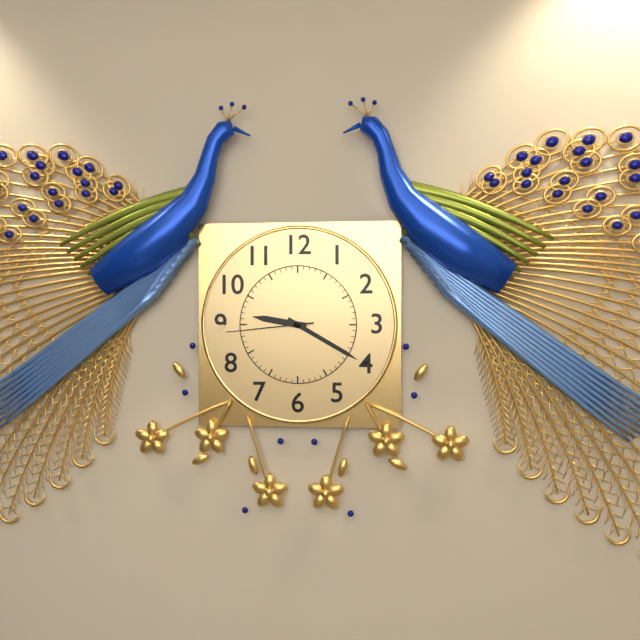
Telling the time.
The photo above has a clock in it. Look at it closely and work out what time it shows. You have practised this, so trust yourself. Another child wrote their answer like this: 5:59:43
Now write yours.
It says 9:20:44
